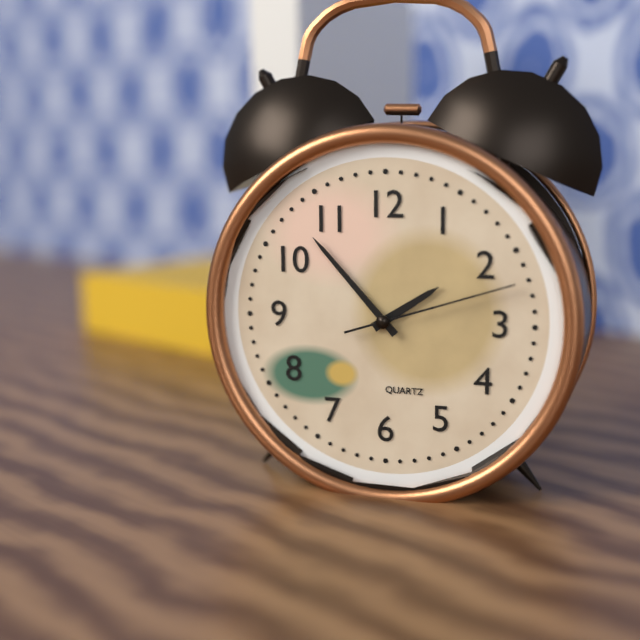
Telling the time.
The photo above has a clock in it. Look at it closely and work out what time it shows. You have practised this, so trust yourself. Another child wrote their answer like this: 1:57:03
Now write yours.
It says 1:53:12
